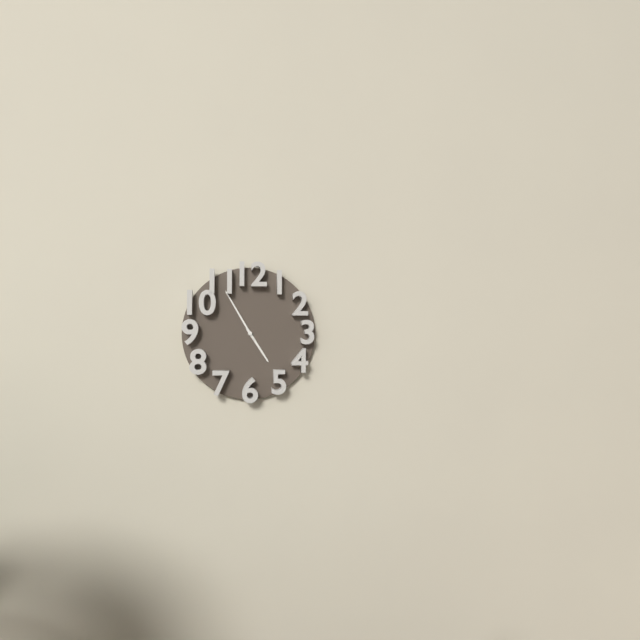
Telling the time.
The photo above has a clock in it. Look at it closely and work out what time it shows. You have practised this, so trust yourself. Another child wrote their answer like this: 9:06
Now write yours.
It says 4:55
